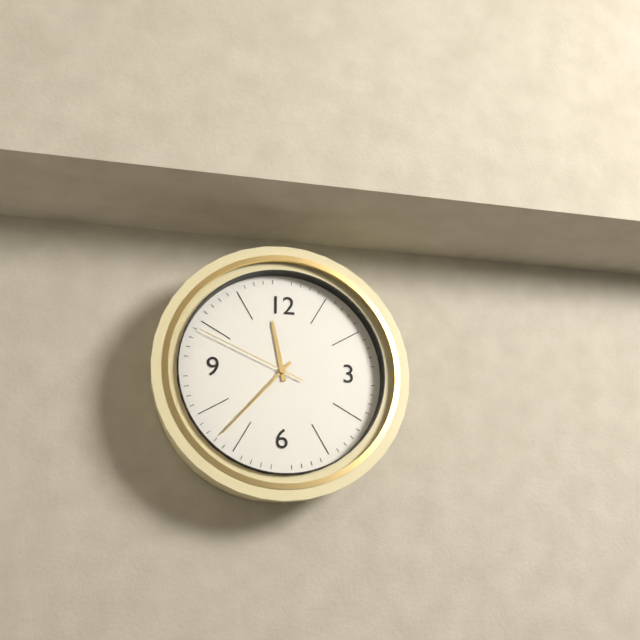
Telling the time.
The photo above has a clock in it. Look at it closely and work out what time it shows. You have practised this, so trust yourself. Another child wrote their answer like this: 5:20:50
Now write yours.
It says 11:37:49
